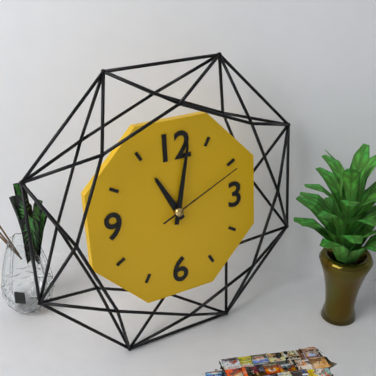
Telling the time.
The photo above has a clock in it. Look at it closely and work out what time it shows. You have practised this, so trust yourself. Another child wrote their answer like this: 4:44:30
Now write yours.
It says 11:02:11
